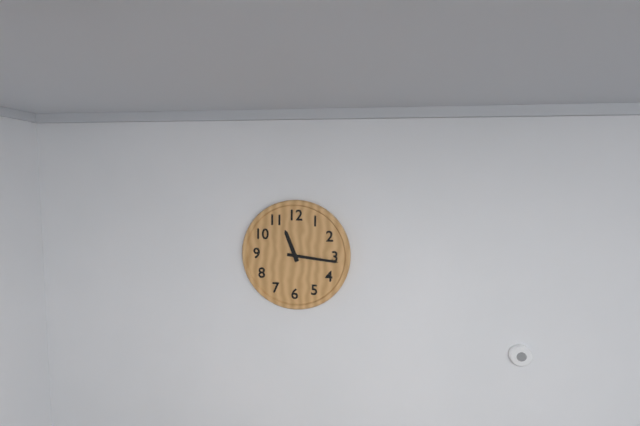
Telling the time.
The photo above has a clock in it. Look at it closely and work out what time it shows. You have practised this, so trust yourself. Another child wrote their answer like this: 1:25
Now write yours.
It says 11:16
